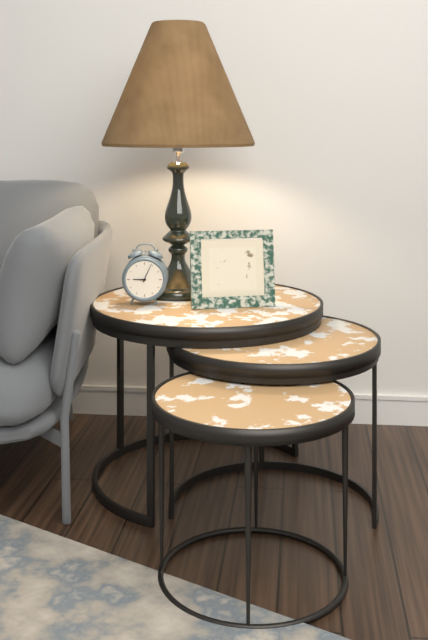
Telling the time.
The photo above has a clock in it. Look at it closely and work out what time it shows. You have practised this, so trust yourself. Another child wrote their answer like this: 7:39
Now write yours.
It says 9:04
